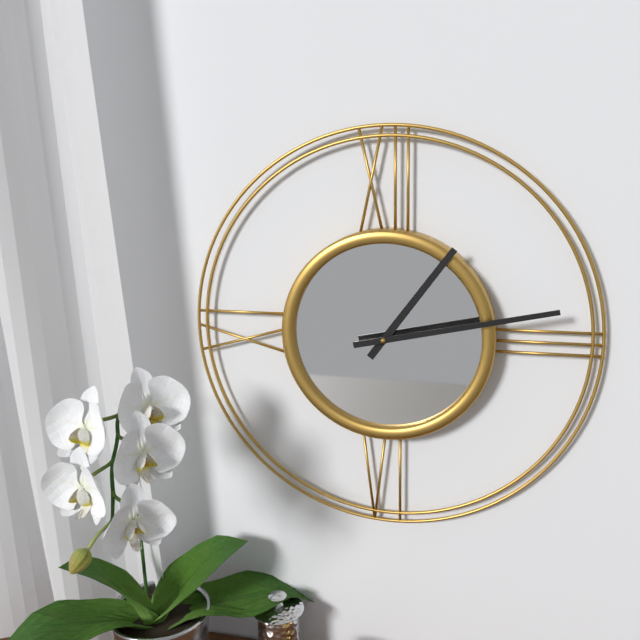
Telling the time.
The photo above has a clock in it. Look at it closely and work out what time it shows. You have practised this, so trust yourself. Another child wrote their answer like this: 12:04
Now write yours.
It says 1:13
